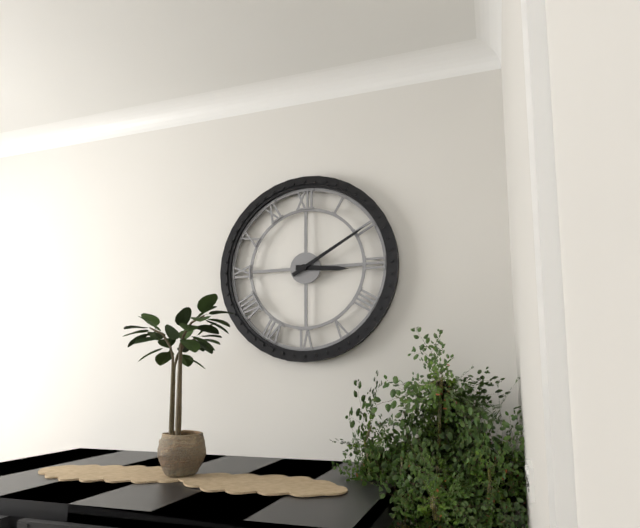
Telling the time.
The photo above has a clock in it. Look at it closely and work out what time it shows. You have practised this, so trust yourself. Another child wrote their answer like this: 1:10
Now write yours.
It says 3:10
